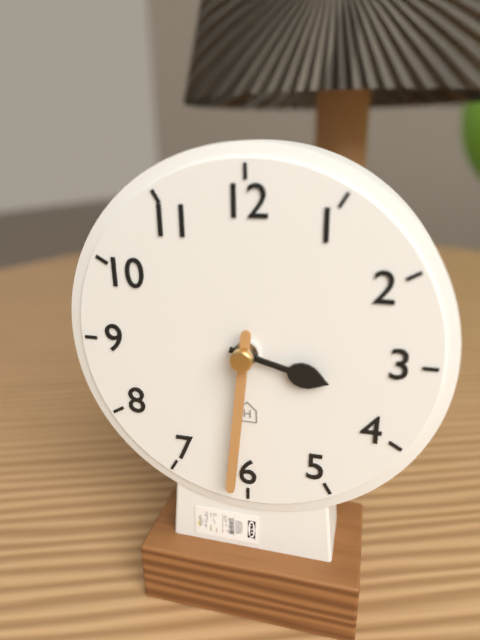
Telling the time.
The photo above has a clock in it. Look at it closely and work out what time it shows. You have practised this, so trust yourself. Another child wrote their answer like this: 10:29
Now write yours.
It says 3:31
